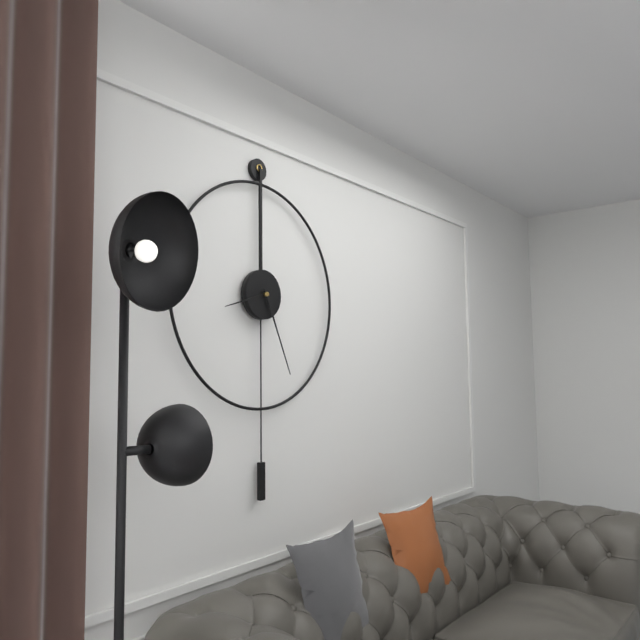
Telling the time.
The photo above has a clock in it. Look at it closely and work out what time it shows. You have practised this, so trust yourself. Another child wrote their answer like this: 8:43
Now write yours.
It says 8:26
